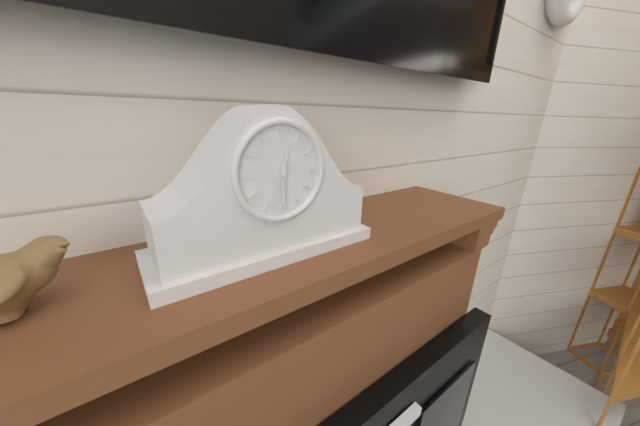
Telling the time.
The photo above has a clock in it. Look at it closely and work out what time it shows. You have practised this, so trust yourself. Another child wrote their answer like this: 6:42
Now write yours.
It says 12:30
